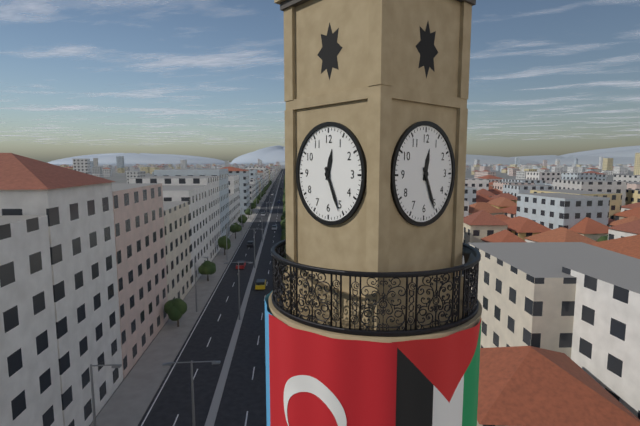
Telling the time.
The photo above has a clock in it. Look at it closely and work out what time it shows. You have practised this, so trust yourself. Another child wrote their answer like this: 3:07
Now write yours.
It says 12:26
